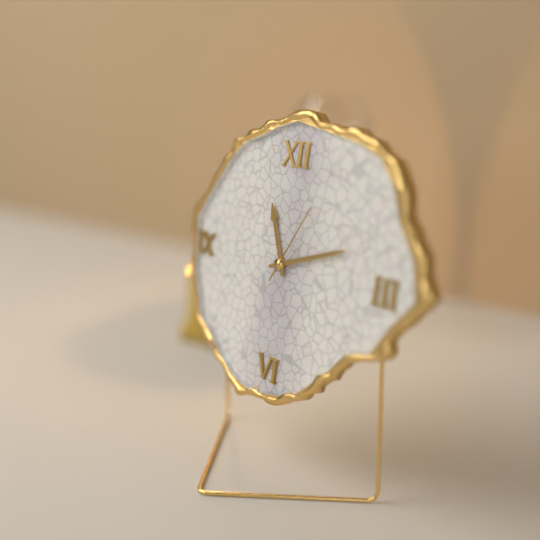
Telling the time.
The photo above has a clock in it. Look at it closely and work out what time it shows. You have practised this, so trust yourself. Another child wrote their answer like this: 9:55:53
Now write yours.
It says 11:12:05
